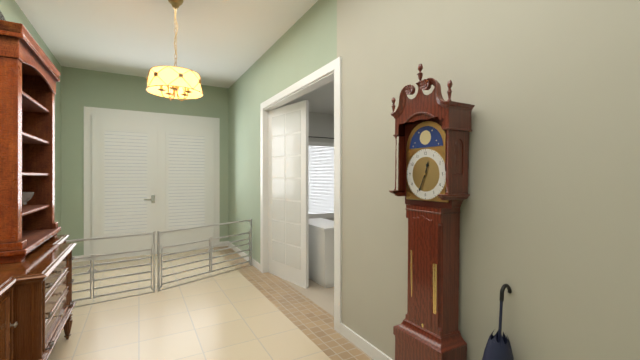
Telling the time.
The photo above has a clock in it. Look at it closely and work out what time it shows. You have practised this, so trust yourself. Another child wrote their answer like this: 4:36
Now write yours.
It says 12:34
